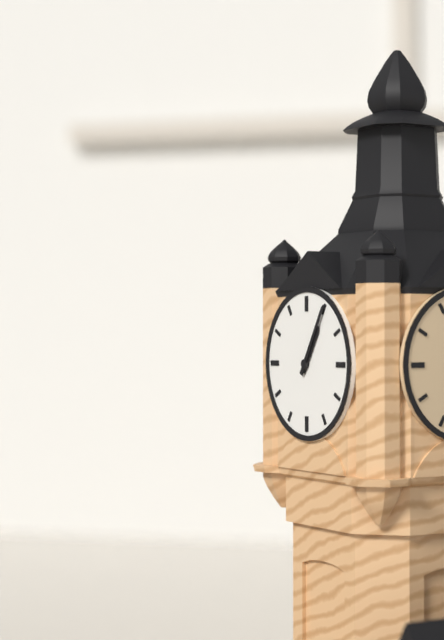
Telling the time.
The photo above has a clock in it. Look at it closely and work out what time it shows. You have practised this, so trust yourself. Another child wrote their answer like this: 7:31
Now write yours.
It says 1:05
